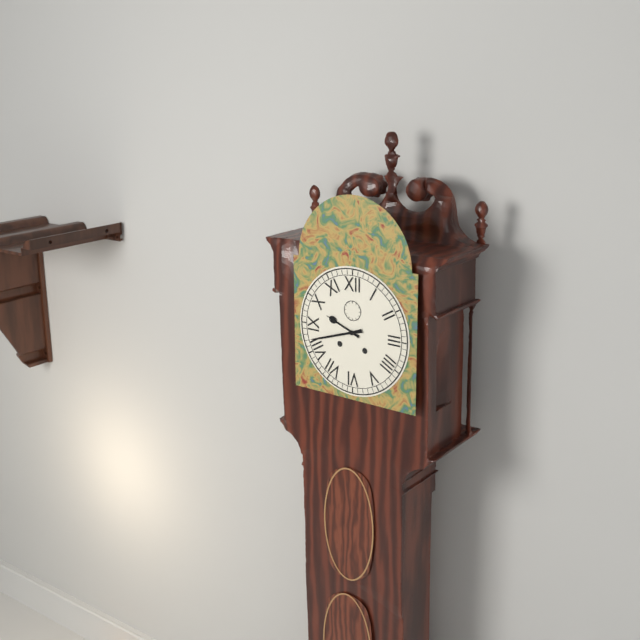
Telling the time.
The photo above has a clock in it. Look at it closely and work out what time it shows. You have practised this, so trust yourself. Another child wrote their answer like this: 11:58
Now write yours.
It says 9:42
